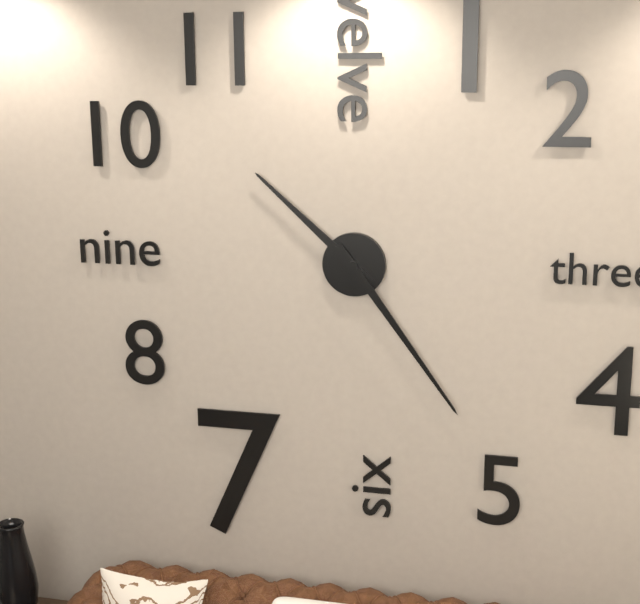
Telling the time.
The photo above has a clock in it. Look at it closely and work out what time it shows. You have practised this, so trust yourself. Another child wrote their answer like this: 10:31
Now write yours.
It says 10:24
